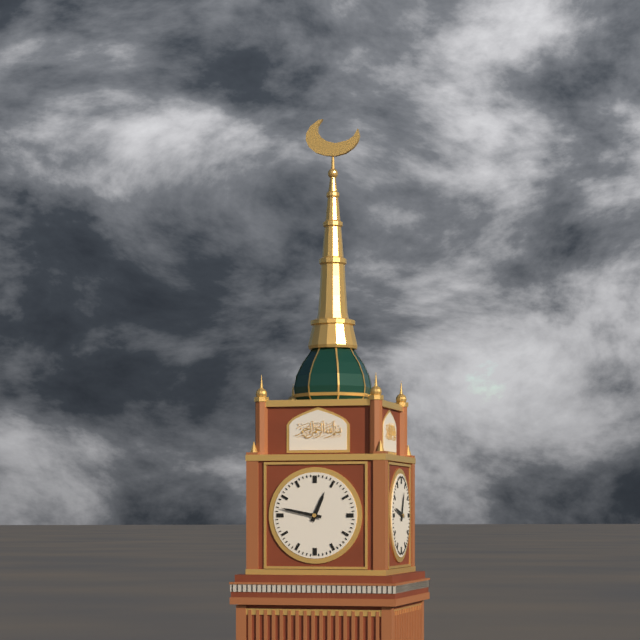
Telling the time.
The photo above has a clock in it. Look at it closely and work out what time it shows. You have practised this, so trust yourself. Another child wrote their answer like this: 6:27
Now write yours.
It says 12:47
